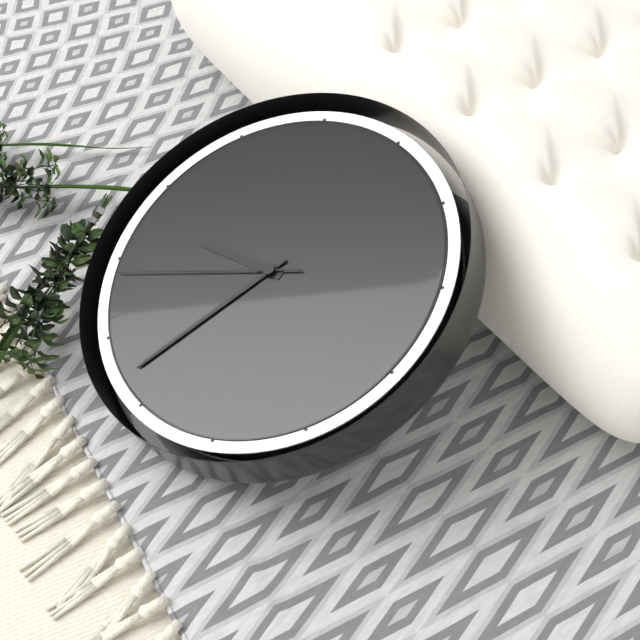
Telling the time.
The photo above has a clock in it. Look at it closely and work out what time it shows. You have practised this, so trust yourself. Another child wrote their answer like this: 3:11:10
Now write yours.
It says 8:32:39
